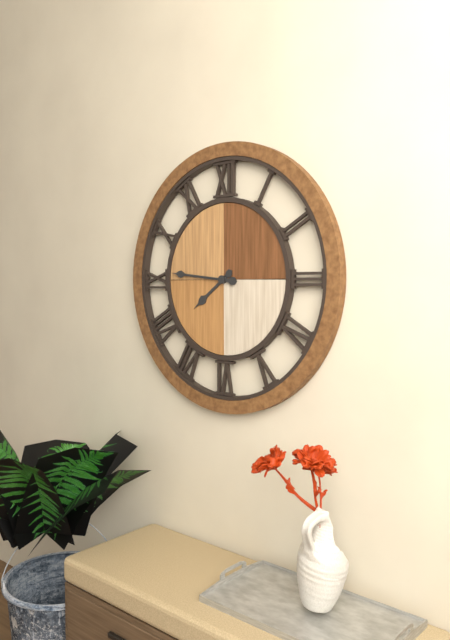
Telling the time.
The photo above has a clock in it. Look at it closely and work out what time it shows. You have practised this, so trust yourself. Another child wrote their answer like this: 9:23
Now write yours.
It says 7:46
